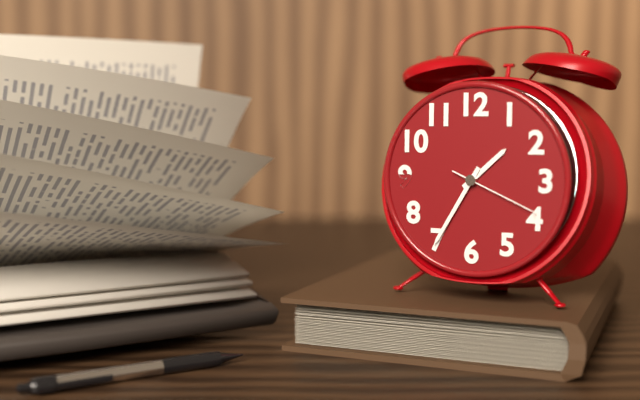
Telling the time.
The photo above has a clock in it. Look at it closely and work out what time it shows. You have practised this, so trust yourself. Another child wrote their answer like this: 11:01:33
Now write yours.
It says 1:35:19
